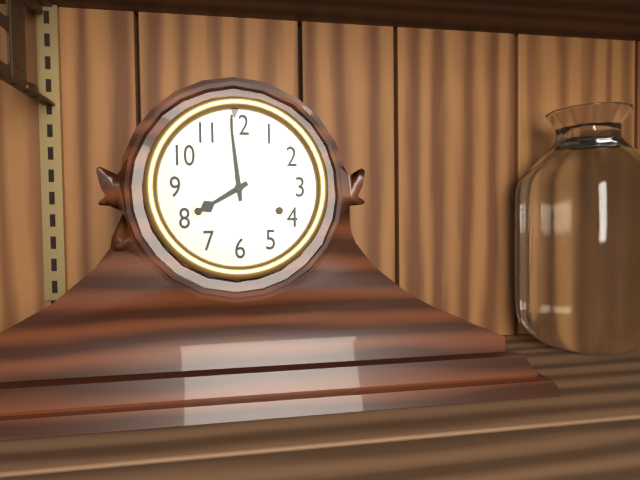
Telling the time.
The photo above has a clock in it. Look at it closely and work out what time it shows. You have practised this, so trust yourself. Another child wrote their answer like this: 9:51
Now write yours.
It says 7:59
